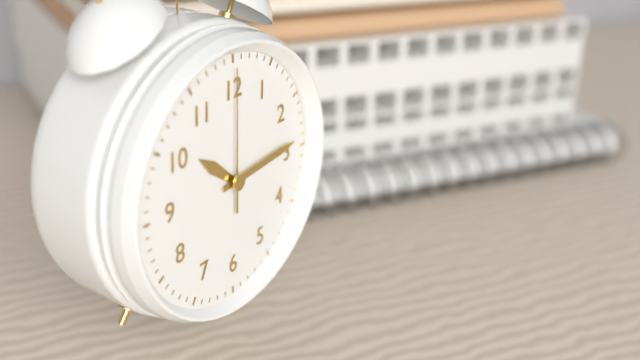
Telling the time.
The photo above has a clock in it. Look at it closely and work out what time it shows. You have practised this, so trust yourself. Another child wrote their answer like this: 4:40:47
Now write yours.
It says 10:14:00
